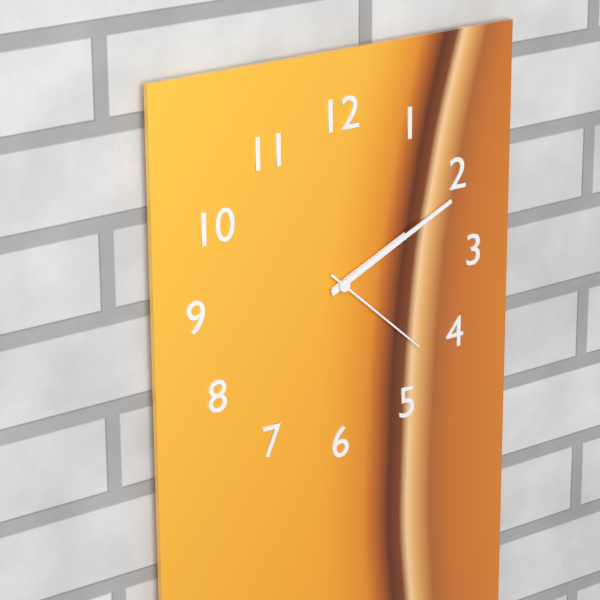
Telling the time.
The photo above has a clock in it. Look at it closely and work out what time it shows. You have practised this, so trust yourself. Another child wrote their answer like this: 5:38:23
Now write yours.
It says 2:11:22
